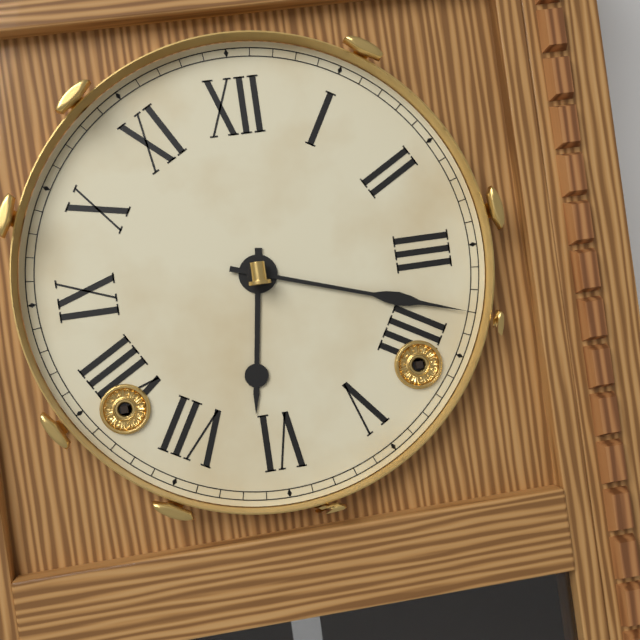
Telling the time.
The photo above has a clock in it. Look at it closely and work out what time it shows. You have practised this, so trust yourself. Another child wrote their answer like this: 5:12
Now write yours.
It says 6:18
